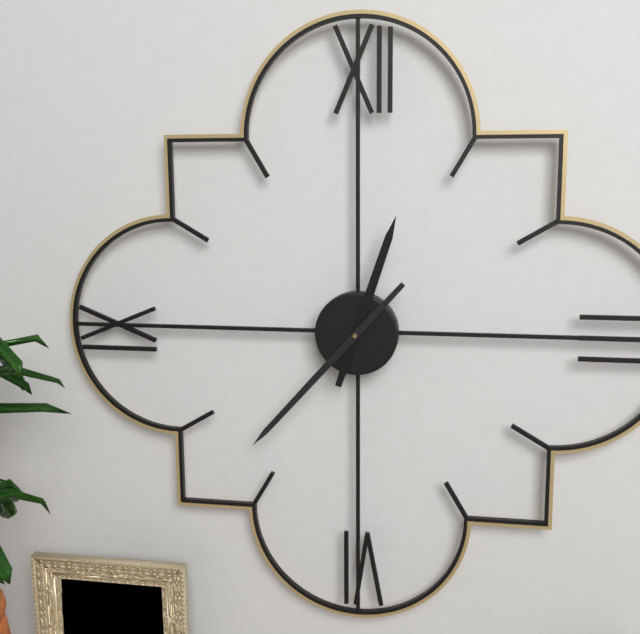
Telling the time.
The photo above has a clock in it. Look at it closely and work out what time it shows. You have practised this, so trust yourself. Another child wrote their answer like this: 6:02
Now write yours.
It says 12:37
